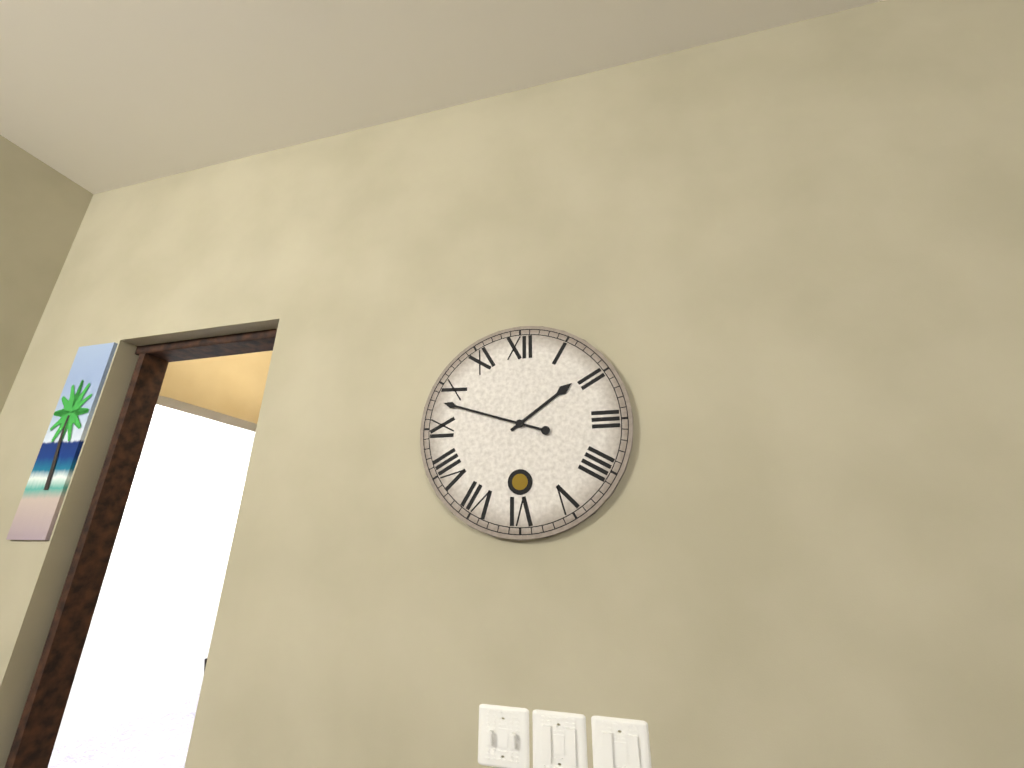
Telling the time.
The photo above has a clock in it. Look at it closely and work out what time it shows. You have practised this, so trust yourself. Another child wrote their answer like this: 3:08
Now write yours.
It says 1:48
